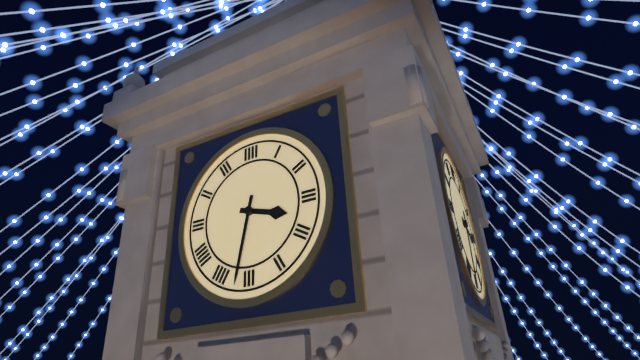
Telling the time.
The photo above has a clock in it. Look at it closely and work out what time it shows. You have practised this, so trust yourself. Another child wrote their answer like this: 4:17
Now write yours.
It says 3:32
